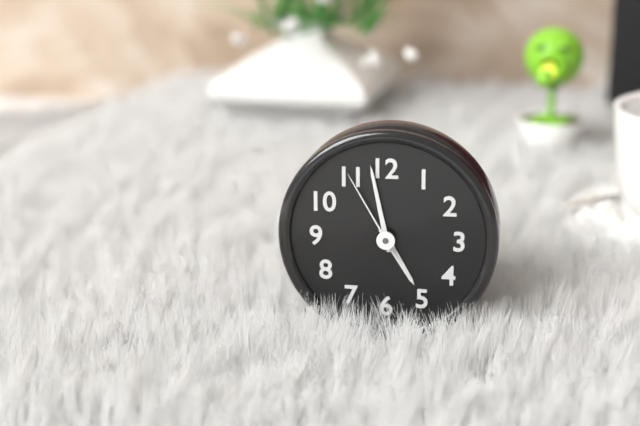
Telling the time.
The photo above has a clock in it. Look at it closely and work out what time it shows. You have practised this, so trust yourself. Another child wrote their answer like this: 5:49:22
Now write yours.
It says 4:58:55
